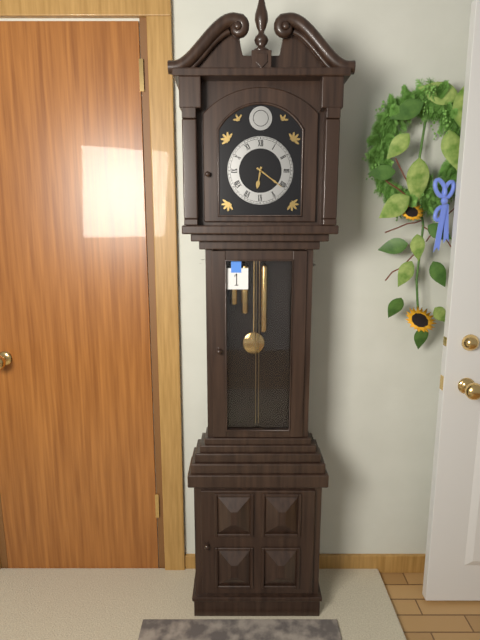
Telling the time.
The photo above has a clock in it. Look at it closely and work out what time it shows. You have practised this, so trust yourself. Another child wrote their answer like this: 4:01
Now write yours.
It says 6:21
